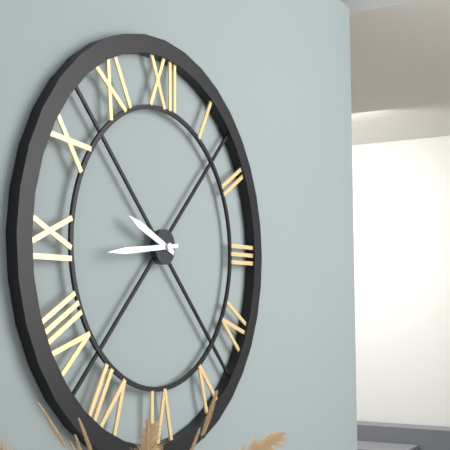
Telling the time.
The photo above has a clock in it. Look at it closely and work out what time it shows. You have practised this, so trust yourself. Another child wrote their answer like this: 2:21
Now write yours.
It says 9:44
